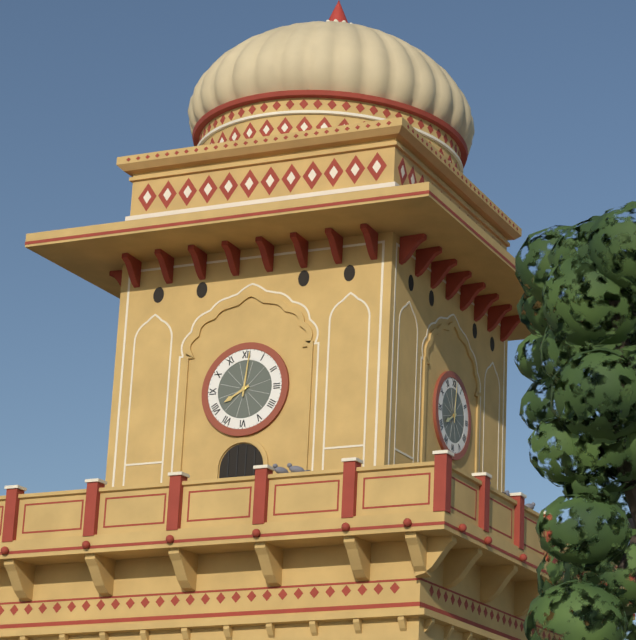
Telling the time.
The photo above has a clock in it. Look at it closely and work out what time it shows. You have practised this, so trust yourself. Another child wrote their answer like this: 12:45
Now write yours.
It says 8:01
